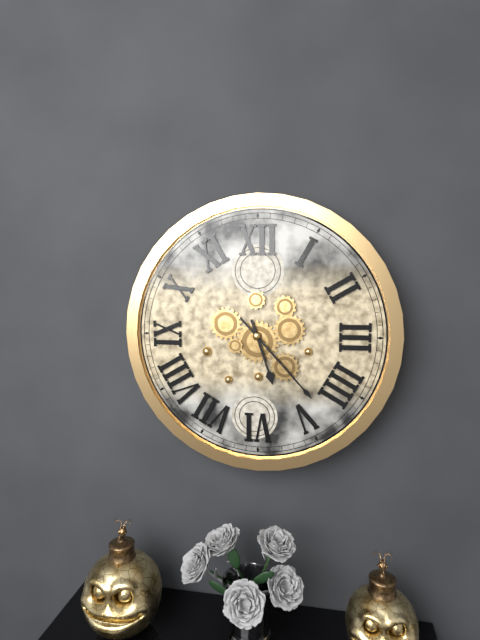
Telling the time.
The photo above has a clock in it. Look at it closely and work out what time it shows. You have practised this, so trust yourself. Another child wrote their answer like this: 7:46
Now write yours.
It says 5:23
